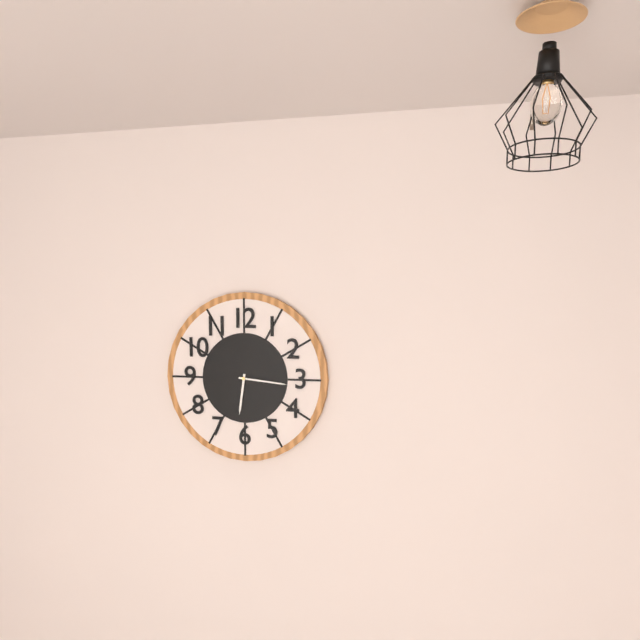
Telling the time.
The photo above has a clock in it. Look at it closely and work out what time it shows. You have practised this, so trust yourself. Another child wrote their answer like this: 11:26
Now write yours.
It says 6:16
